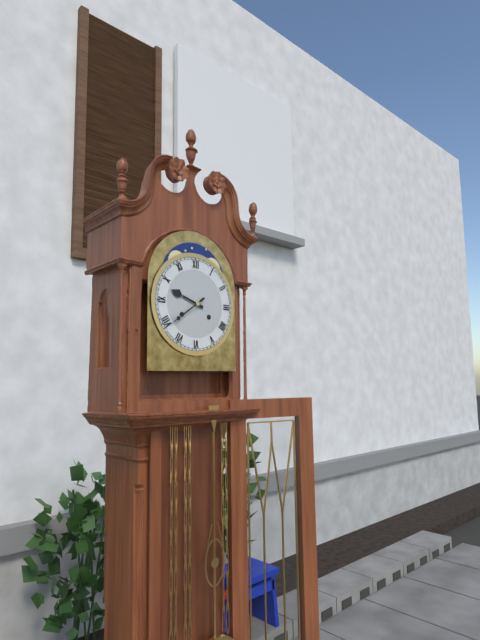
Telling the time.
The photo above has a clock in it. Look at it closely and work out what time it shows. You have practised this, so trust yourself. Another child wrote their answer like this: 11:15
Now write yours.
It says 9:39
